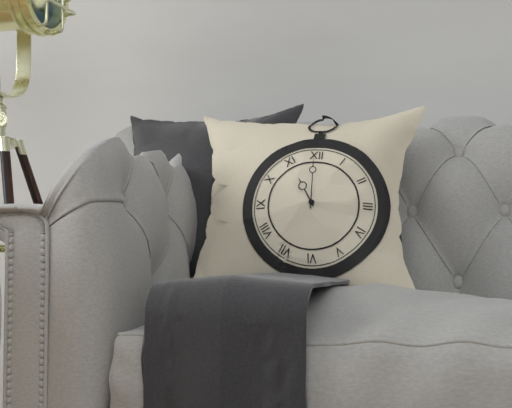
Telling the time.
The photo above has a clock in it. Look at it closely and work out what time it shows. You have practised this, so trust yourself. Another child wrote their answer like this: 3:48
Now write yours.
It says 11:00
